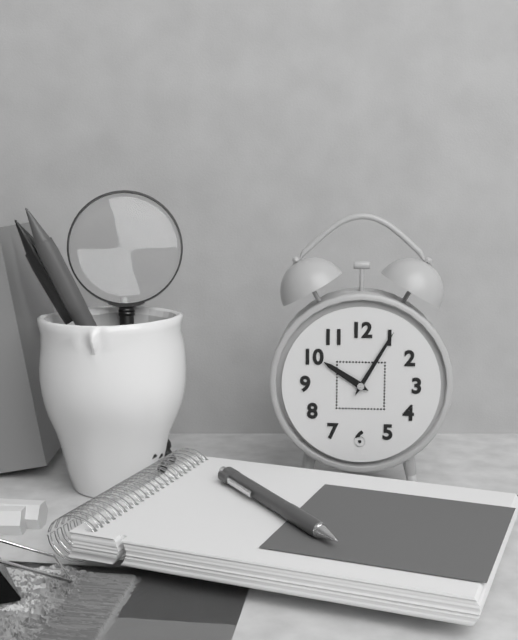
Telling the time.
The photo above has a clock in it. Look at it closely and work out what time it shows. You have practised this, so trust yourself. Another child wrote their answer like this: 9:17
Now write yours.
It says 10:05
